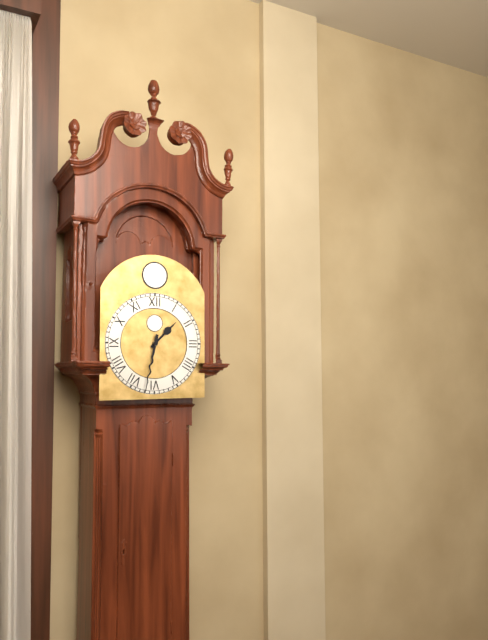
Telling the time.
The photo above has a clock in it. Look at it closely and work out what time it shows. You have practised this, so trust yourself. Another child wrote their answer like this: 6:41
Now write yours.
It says 1:32
